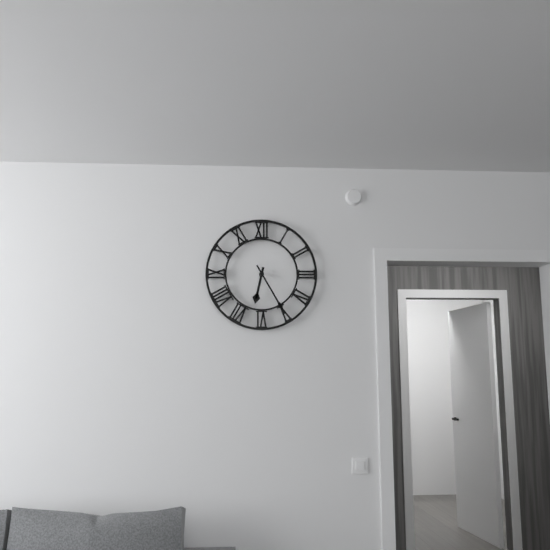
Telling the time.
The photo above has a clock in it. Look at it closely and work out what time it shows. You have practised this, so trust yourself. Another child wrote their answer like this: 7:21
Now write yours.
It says 6:25
